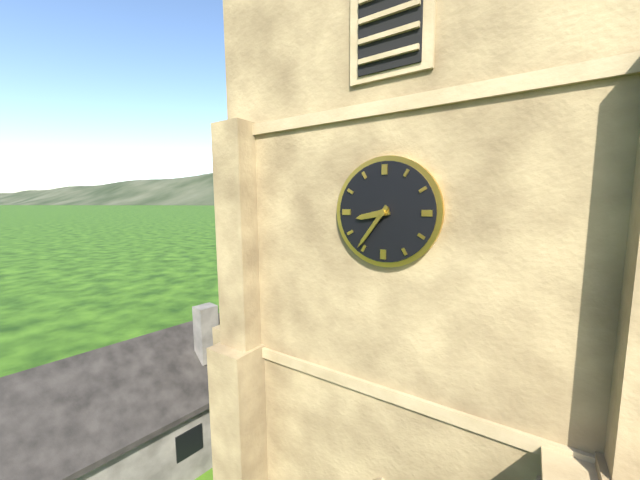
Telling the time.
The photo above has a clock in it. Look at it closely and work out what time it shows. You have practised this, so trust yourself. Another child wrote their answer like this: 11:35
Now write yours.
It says 8:36
